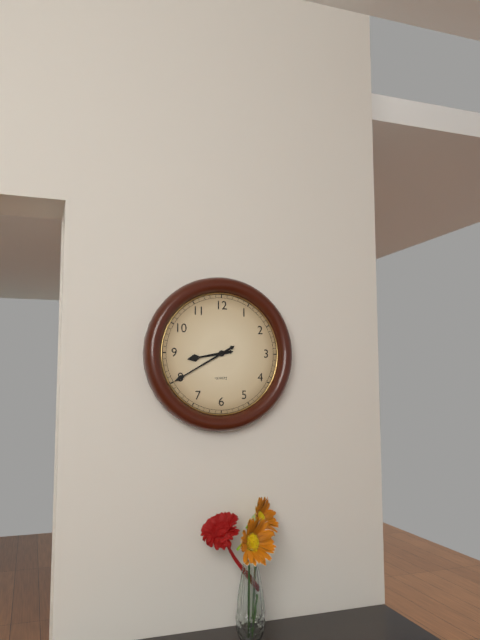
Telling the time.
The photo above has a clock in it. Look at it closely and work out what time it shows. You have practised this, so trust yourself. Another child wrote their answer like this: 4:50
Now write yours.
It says 8:40
